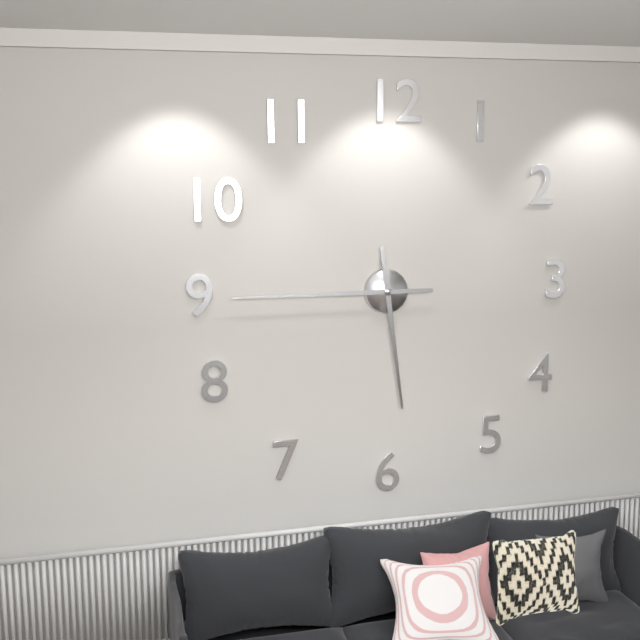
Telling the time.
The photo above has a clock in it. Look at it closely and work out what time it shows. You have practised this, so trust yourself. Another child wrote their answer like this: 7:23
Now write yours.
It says 5:45
